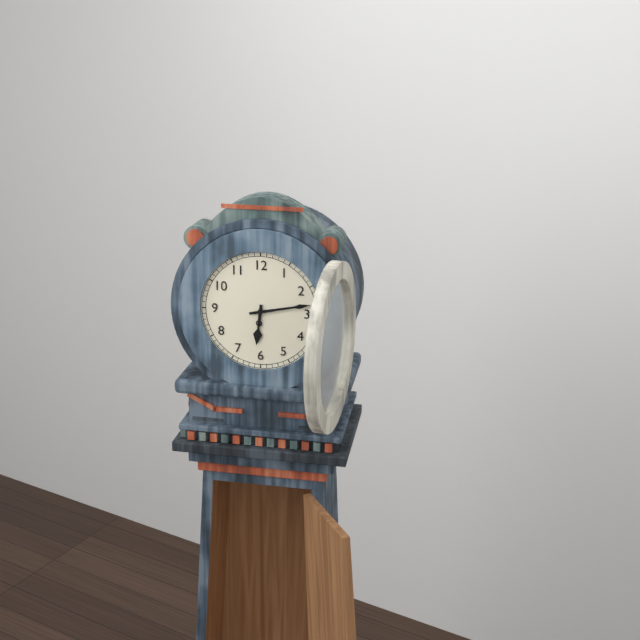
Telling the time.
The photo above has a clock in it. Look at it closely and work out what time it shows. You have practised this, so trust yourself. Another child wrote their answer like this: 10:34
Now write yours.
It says 6:13
